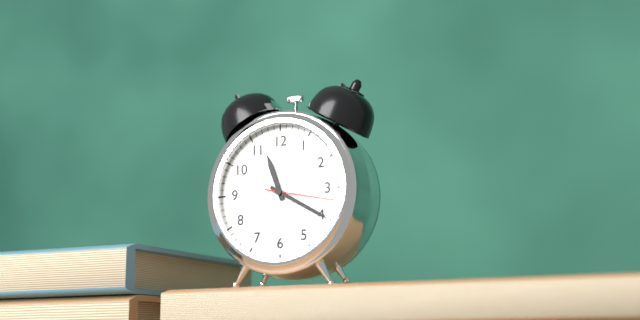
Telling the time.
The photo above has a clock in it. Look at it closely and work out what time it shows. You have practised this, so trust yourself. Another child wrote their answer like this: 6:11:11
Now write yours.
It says 11:20:17
